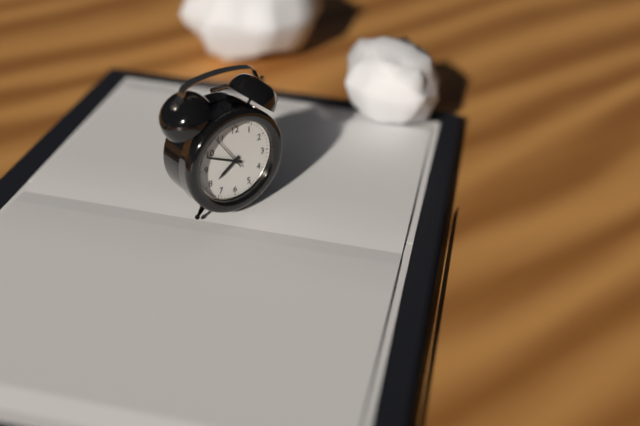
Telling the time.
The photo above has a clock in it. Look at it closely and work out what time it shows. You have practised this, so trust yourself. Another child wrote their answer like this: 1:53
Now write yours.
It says 7:49
